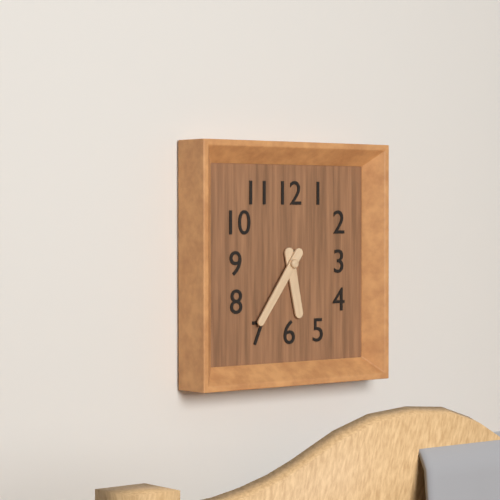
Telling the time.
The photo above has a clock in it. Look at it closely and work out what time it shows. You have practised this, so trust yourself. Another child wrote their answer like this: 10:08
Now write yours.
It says 5:36
